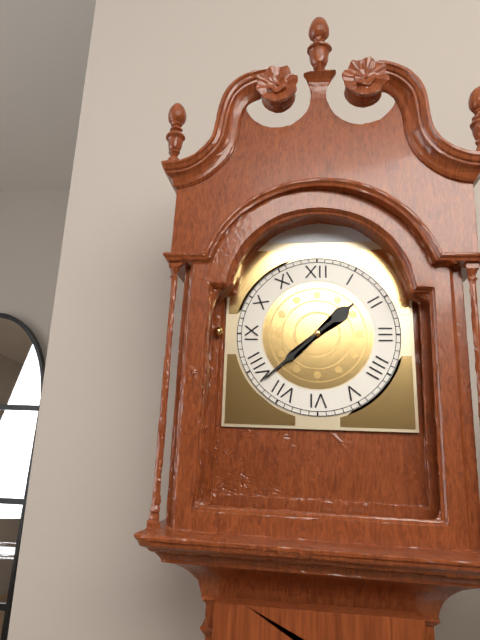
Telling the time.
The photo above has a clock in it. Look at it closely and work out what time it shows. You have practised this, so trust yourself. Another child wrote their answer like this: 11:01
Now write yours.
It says 1:38
